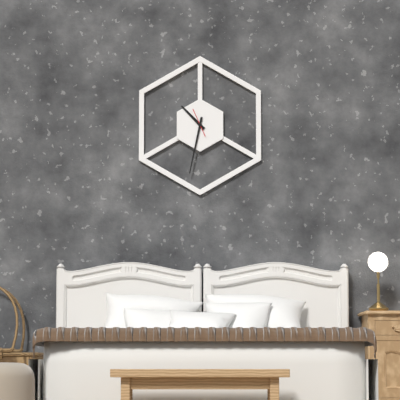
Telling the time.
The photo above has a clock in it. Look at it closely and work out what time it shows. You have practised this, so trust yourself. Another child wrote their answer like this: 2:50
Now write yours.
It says 10:32
